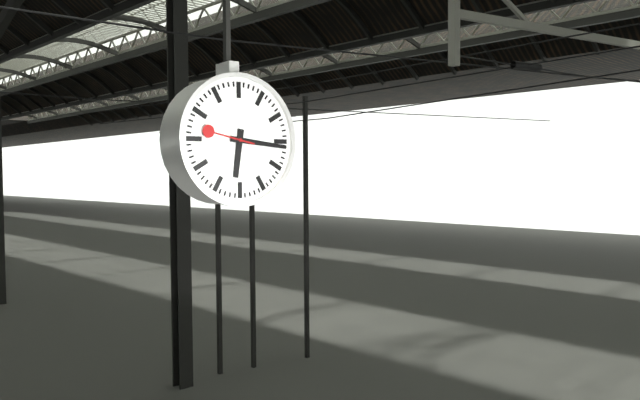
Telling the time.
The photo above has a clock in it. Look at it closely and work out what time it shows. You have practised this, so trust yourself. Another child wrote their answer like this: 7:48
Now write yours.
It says 6:16
